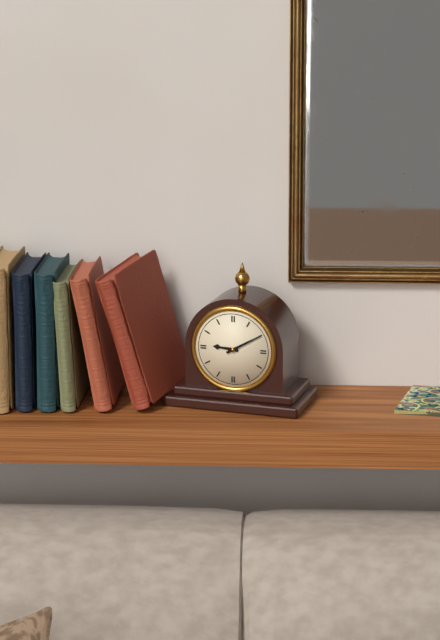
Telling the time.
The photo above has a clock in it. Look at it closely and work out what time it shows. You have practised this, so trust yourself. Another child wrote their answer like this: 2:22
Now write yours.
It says 9:10
